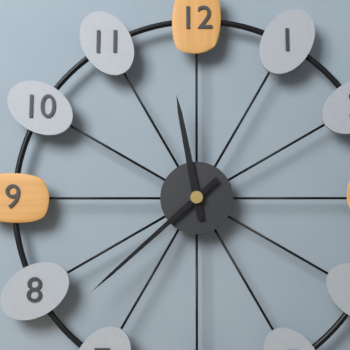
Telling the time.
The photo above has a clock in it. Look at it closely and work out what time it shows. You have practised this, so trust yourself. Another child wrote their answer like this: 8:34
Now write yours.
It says 11:38
